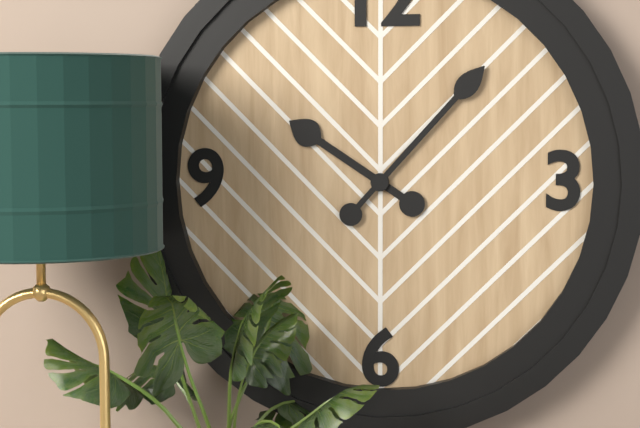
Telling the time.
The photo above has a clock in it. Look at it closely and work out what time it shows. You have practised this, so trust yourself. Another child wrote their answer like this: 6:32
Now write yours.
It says 10:07
